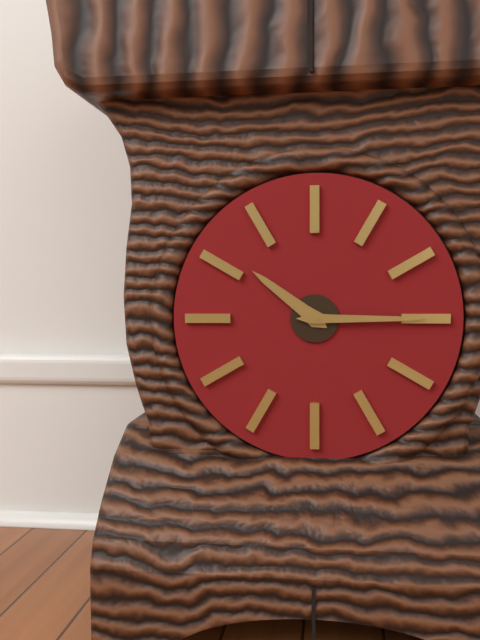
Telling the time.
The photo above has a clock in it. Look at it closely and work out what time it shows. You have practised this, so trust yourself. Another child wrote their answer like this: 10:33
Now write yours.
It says 10:15
